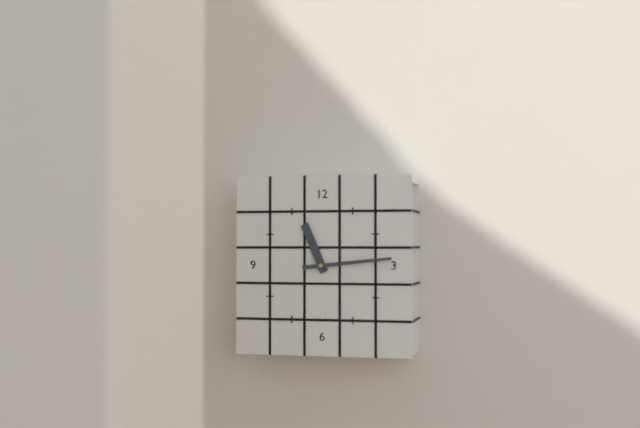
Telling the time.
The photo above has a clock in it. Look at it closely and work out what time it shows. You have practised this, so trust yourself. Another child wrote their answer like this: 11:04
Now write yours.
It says 11:14
